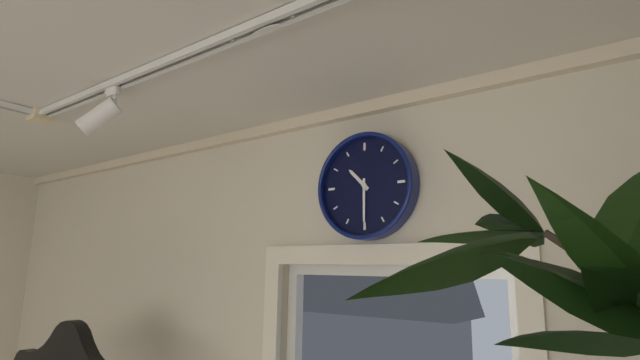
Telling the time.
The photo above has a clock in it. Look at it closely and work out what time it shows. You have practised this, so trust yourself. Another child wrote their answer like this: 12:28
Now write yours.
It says 10:30
